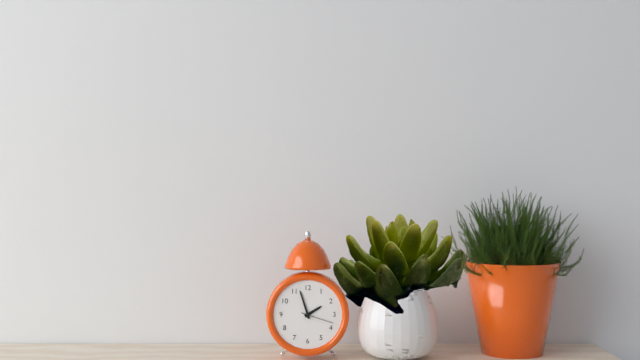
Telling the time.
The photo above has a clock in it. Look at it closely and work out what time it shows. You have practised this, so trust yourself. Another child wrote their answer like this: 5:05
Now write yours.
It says 1:57
